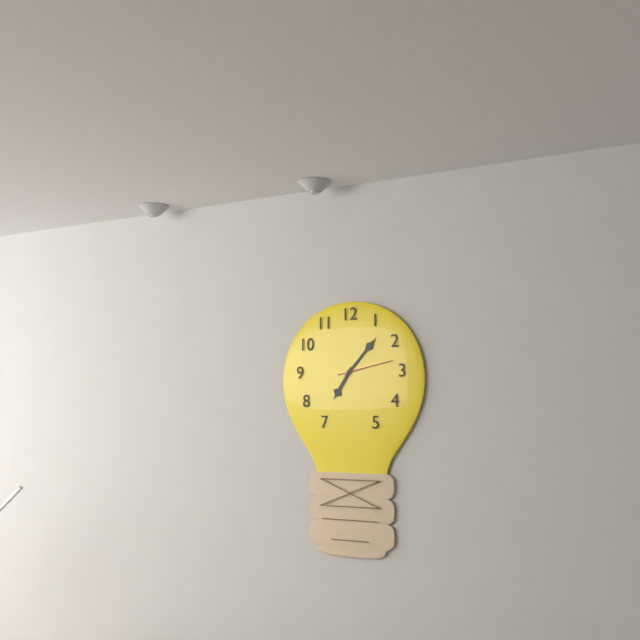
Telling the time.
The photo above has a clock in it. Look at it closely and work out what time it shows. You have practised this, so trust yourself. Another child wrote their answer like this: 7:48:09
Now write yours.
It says 7:07:13
